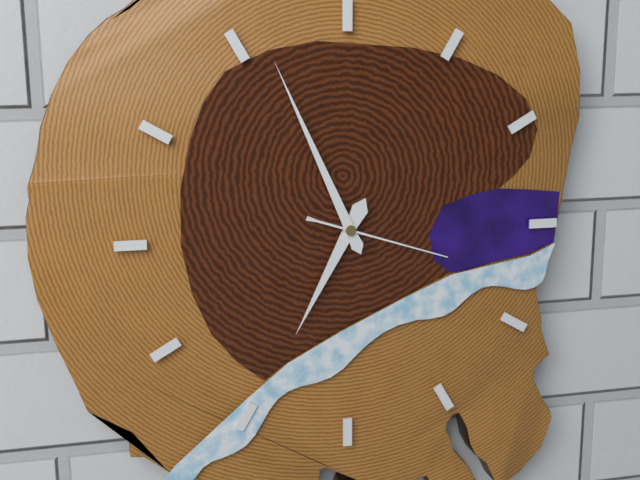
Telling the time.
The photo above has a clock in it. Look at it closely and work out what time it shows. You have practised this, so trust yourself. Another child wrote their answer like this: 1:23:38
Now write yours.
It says 6:56:18
